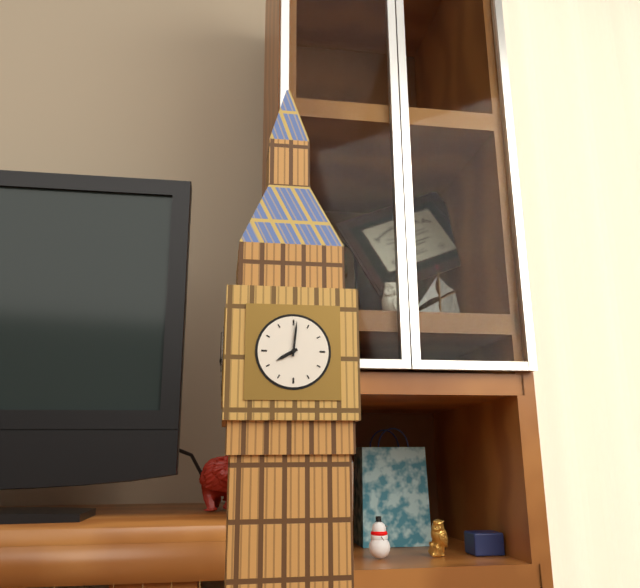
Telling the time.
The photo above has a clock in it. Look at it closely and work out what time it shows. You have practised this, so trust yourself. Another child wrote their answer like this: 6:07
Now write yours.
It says 8:01
